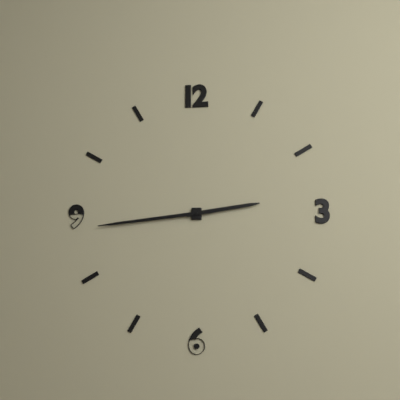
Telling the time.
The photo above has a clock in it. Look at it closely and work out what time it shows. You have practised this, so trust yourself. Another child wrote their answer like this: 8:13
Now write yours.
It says 2:44
